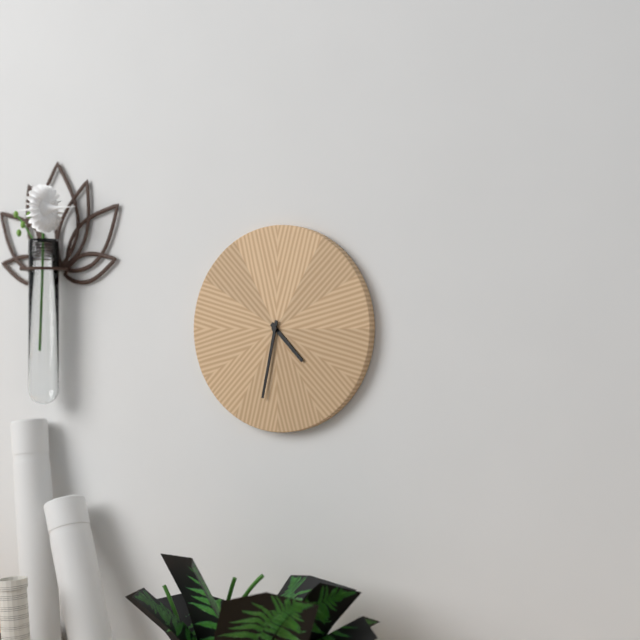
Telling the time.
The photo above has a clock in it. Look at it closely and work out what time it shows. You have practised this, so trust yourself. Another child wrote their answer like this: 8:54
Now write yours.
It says 4:32
